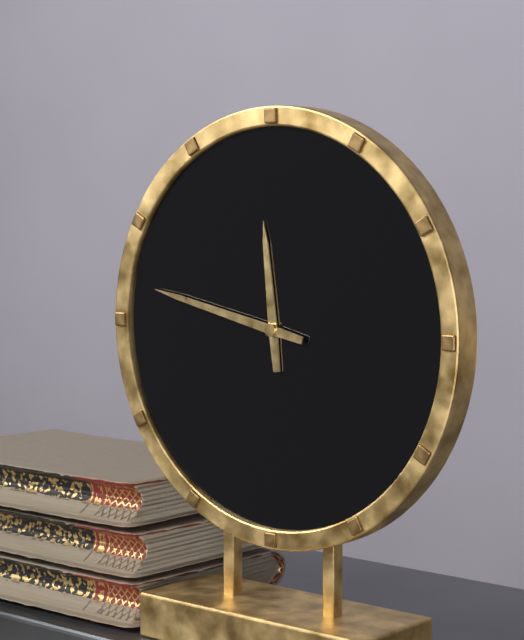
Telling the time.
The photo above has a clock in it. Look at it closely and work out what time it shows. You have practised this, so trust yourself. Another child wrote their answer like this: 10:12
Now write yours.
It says 11:47
